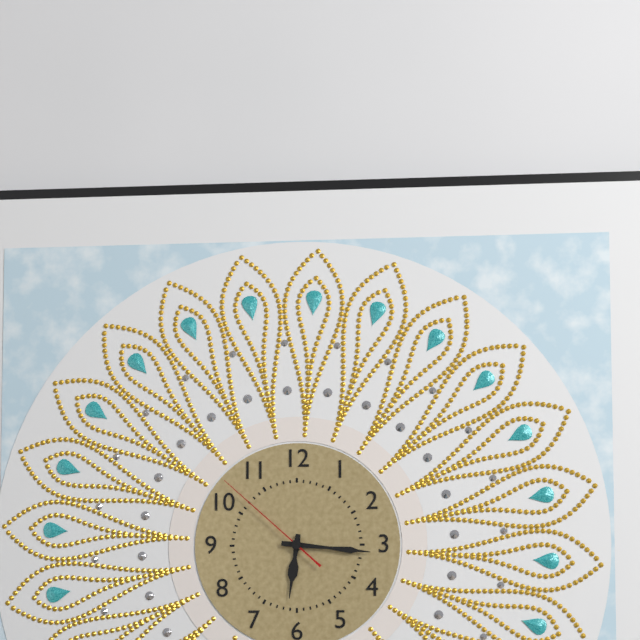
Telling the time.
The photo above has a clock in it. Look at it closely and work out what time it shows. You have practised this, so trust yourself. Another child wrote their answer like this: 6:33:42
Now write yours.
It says 6:16:52
